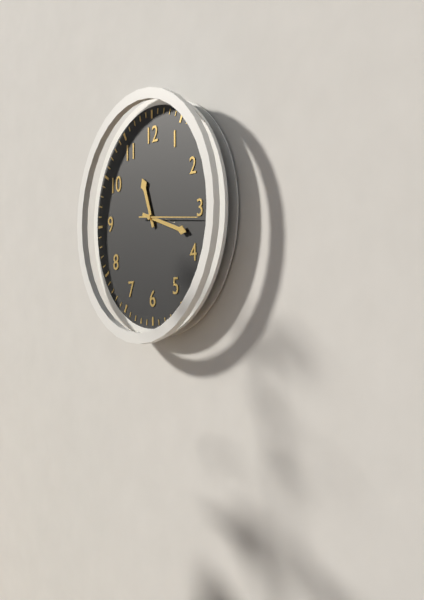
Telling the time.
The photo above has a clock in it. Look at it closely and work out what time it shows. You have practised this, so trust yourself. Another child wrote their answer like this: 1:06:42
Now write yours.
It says 11:18:16
